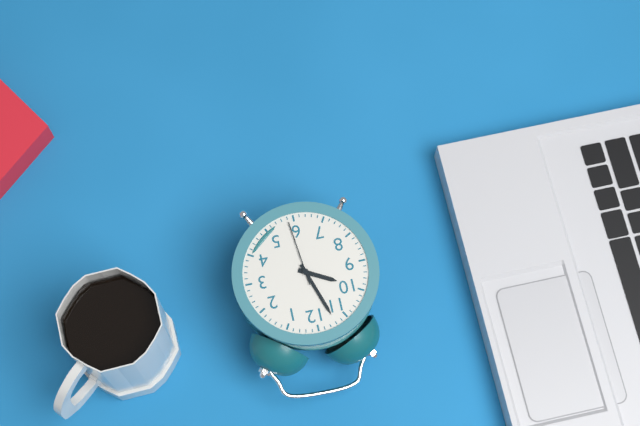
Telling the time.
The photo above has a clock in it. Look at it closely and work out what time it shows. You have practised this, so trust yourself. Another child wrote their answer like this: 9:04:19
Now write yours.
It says 9:57:29
